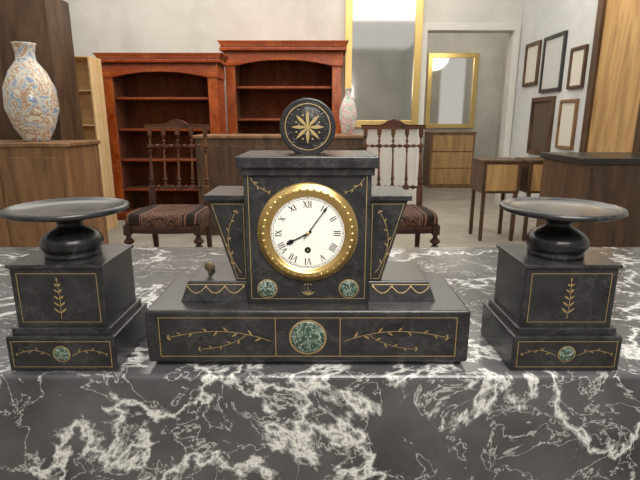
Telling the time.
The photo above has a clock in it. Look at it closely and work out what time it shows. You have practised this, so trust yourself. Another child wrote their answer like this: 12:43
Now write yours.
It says 8:06
